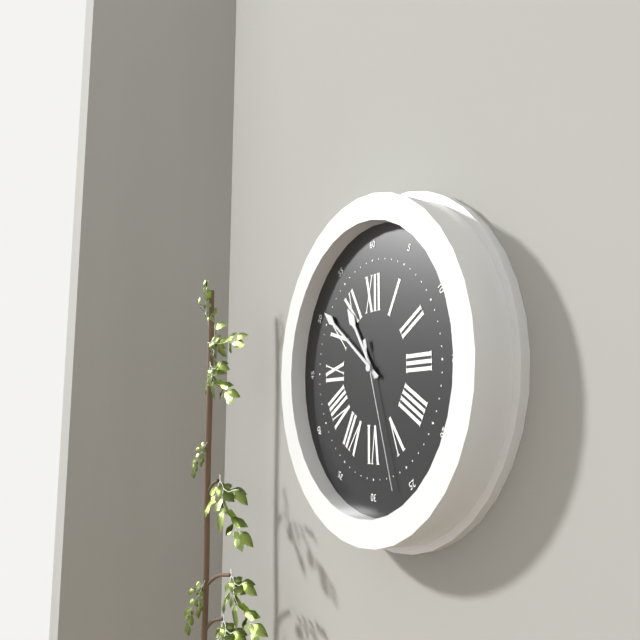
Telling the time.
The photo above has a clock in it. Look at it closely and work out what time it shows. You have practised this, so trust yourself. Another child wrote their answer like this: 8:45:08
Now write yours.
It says 10:51:27
